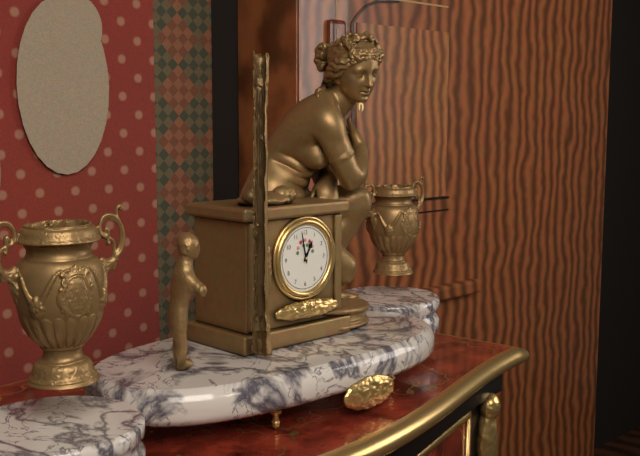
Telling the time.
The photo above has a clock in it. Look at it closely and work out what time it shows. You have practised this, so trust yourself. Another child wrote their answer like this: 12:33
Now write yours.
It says 12:58
